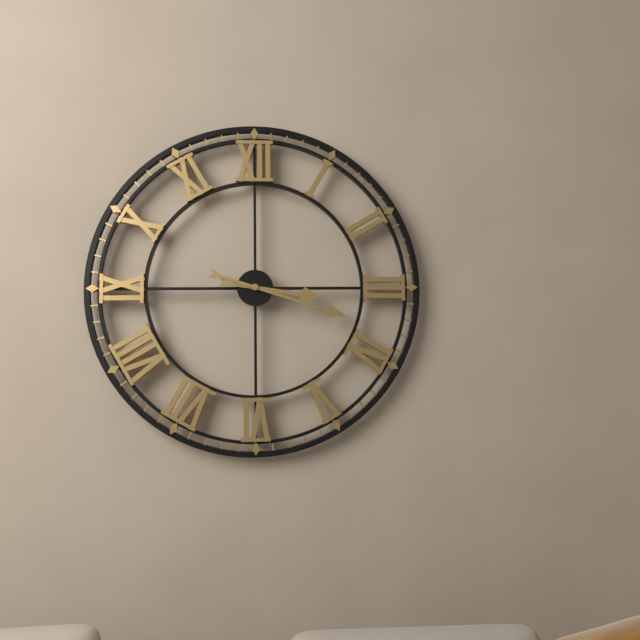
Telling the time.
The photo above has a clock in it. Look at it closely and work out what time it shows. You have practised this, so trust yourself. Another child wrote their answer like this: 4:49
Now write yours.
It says 3:18
